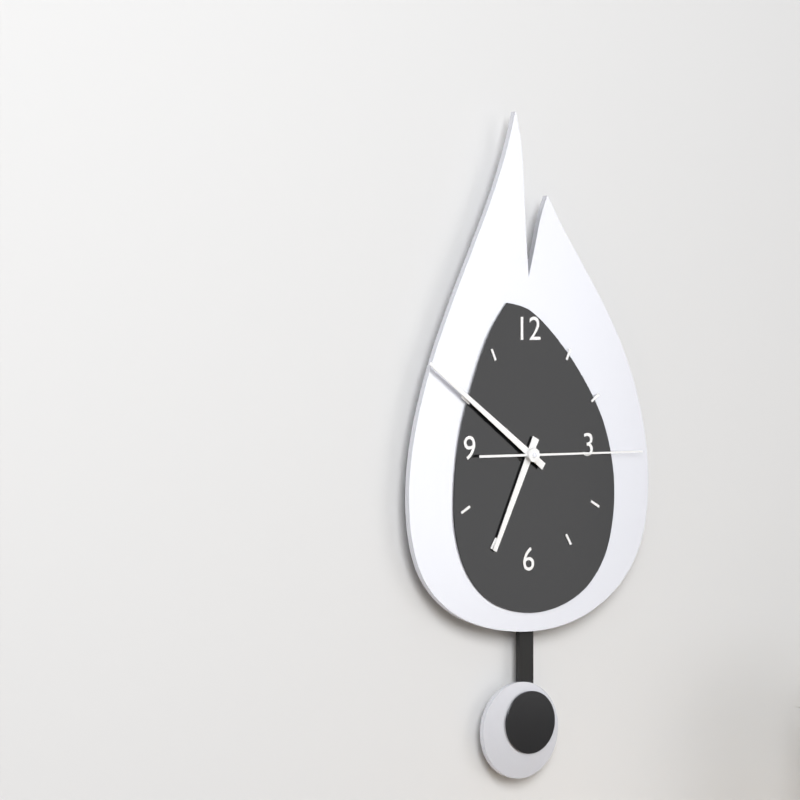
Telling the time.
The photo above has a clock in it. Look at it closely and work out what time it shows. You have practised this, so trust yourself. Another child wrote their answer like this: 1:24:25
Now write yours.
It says 6:51:15
